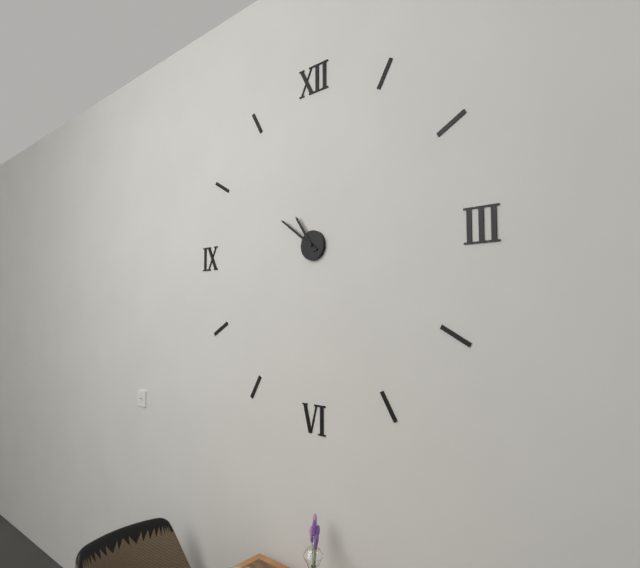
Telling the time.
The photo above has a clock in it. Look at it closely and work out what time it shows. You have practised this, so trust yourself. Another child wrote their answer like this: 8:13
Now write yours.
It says 10:51
